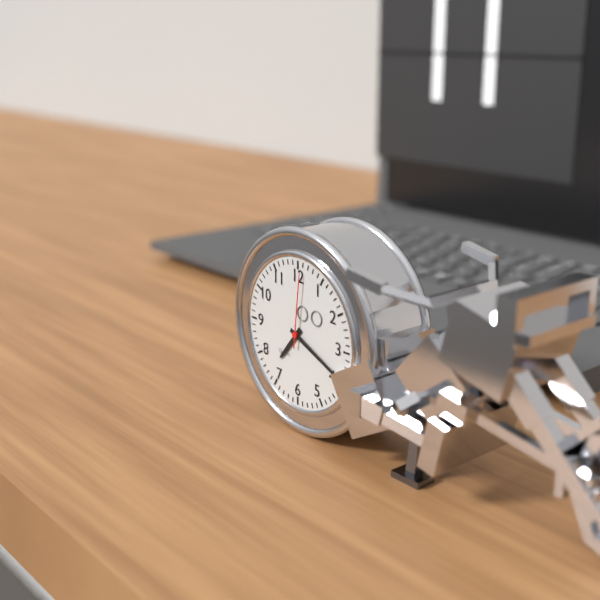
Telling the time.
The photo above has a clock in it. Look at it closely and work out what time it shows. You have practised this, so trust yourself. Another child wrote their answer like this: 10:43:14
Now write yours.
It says 7:19:01
